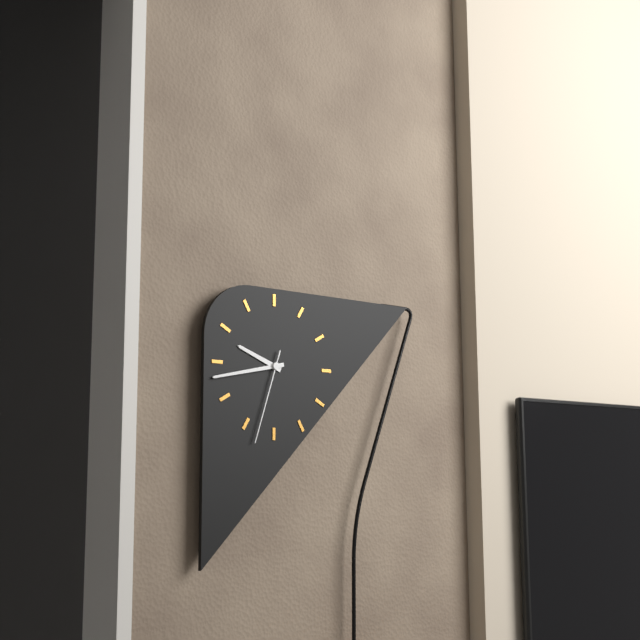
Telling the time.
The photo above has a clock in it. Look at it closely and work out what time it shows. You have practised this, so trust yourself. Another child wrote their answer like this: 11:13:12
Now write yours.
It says 9:43:33
